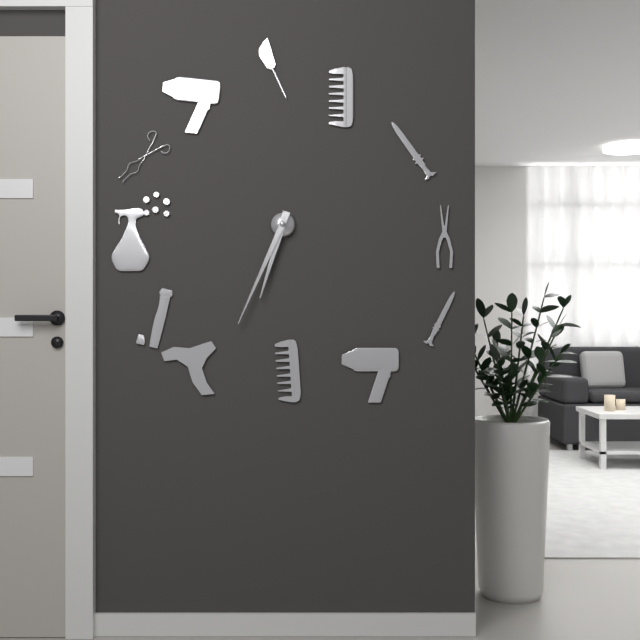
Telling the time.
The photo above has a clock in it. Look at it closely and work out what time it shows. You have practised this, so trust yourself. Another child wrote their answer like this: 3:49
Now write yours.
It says 6:34
